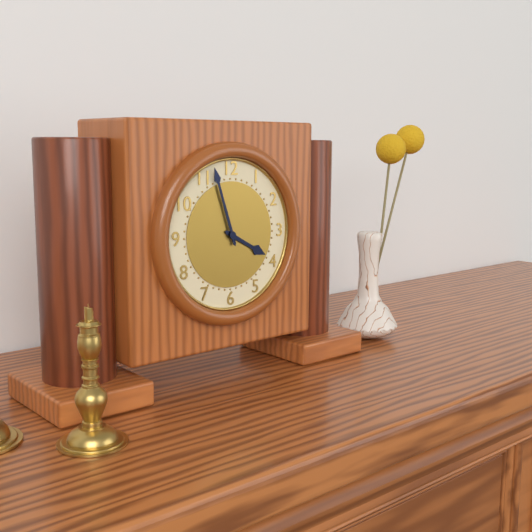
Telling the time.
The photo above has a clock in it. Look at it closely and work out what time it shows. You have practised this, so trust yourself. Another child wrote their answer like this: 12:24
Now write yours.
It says 3:57
